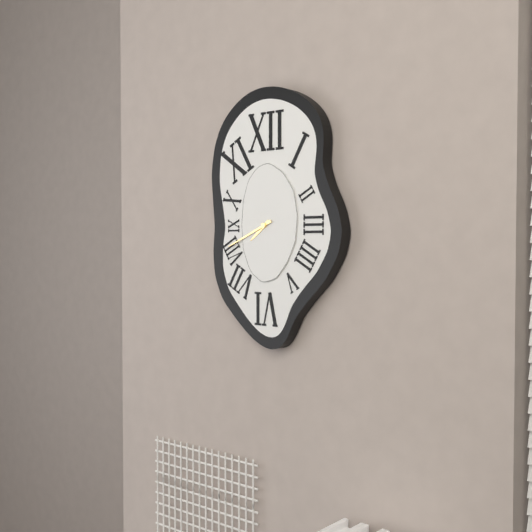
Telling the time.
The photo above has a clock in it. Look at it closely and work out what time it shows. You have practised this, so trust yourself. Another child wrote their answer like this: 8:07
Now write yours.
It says 7:41
